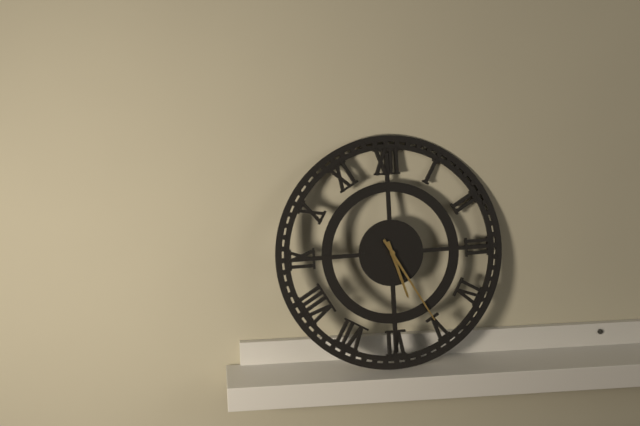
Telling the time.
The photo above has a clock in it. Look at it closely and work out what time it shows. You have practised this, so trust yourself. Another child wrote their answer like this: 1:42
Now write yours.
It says 5:25
